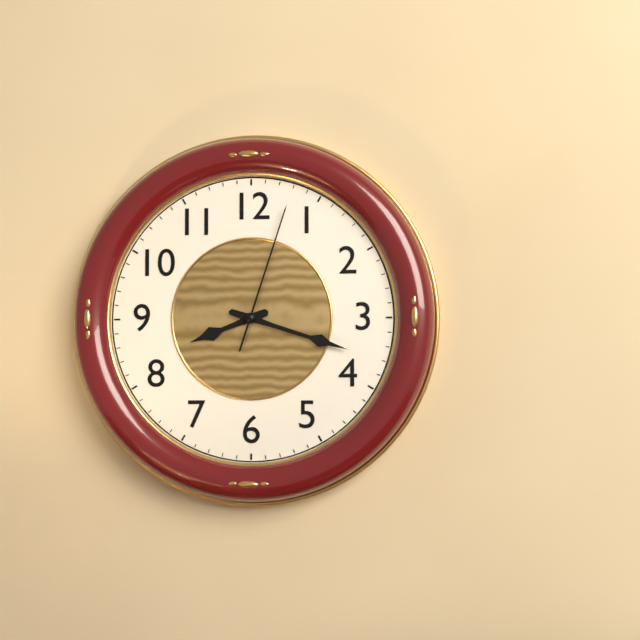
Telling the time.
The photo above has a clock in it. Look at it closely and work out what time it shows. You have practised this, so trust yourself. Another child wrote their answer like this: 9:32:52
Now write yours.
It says 8:18:03
